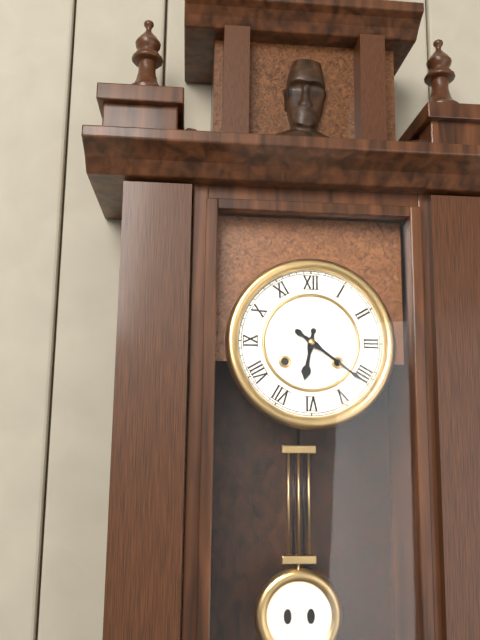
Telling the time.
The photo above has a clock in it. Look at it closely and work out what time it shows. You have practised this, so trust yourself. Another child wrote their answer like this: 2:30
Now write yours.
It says 6:21
